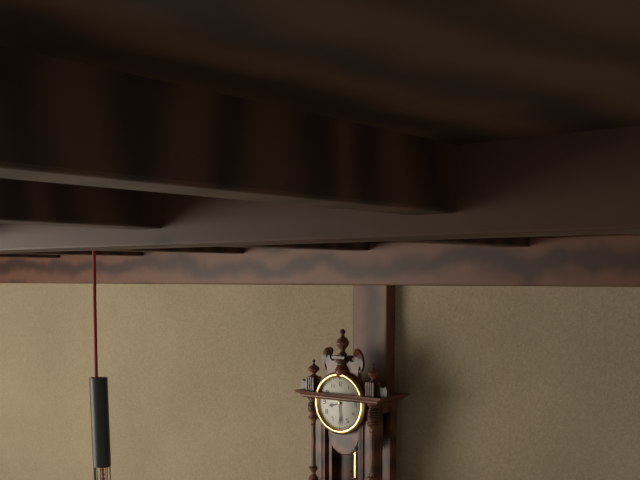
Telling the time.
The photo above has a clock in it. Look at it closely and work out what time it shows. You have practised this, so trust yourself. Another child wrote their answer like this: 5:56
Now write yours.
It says 8:29
